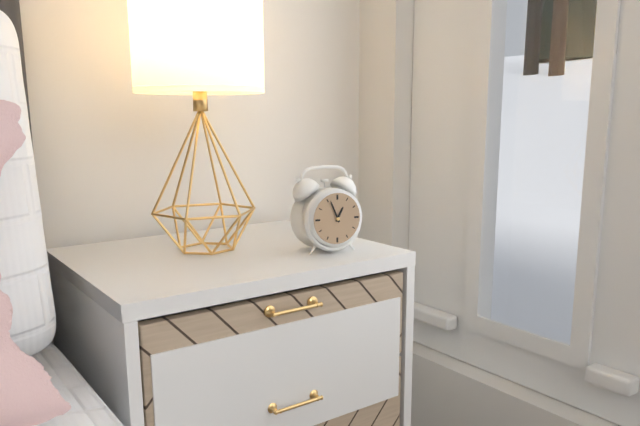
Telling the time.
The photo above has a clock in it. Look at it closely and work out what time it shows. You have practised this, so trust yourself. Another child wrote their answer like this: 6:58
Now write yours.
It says 12:56
